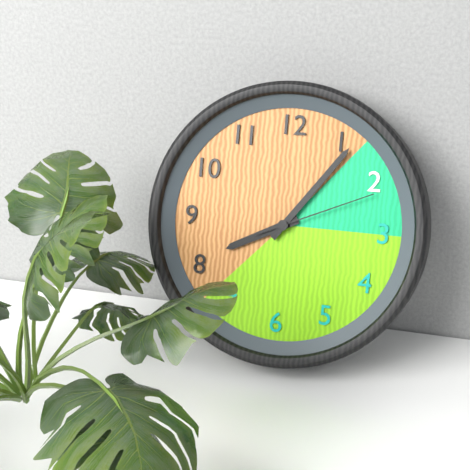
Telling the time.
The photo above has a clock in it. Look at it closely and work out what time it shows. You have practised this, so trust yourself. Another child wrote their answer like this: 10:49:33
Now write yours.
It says 8:06:11
